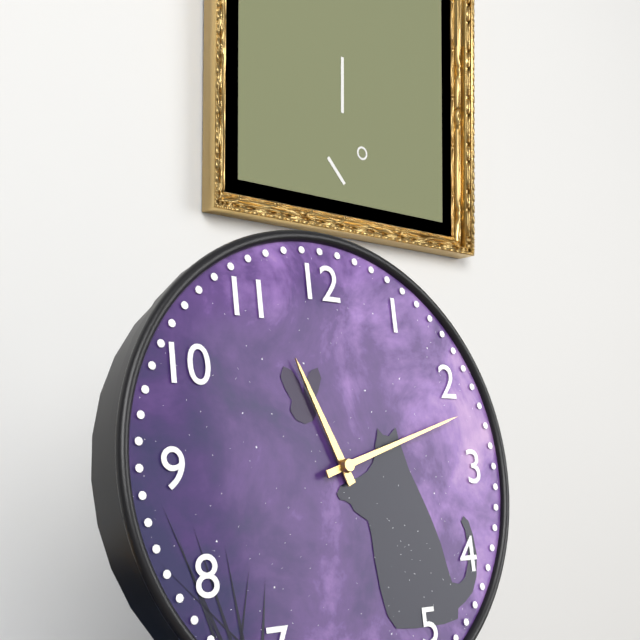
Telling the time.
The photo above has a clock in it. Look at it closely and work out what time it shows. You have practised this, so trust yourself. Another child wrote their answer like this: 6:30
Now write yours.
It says 11:12
